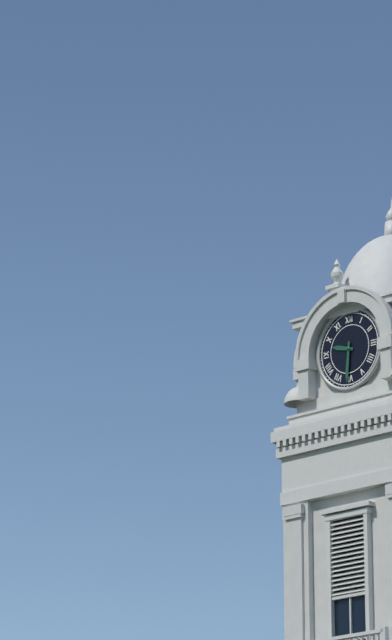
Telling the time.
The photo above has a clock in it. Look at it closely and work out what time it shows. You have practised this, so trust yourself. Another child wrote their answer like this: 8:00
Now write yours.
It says 9:31
